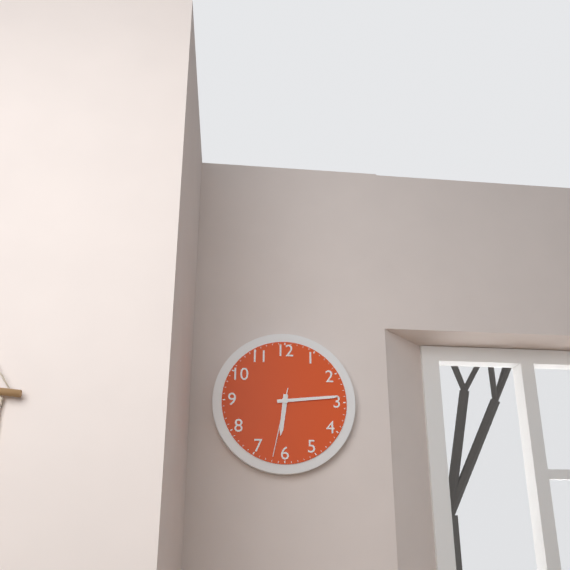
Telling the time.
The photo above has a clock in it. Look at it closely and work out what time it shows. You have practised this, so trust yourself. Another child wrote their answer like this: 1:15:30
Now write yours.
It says 6:14:32
